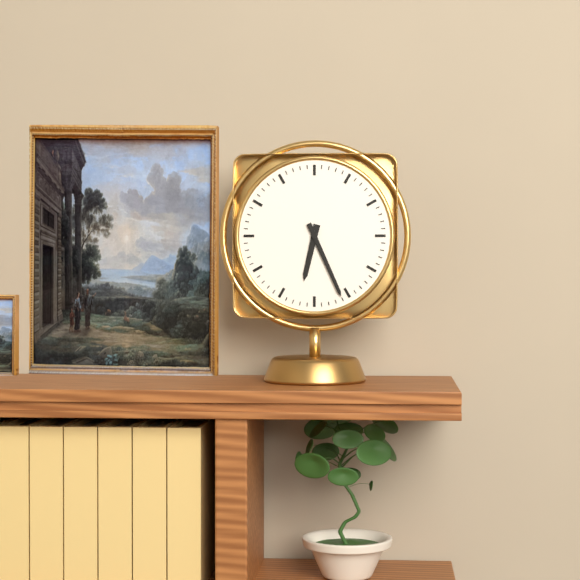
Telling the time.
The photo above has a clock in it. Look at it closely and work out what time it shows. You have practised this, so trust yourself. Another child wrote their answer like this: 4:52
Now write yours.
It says 6:26
